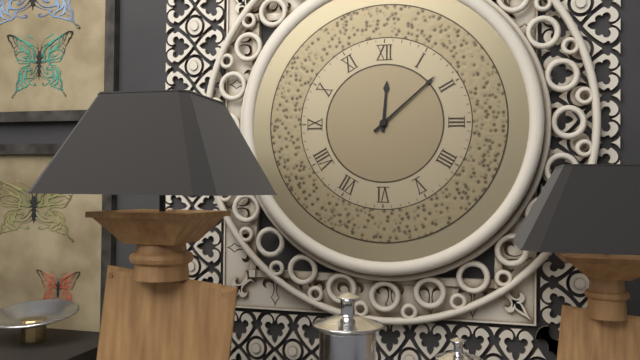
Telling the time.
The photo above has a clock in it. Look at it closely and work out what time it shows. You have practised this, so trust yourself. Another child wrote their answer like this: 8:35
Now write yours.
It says 12:08
